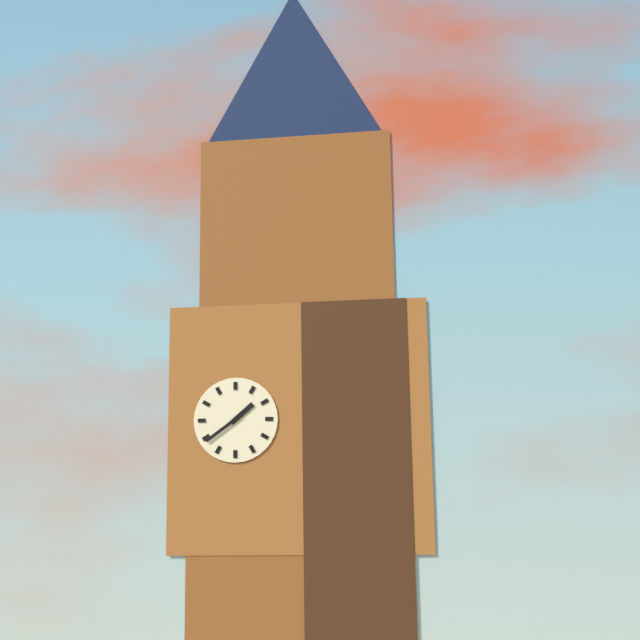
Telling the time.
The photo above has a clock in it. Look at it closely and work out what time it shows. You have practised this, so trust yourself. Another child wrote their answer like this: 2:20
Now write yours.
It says 1:39
